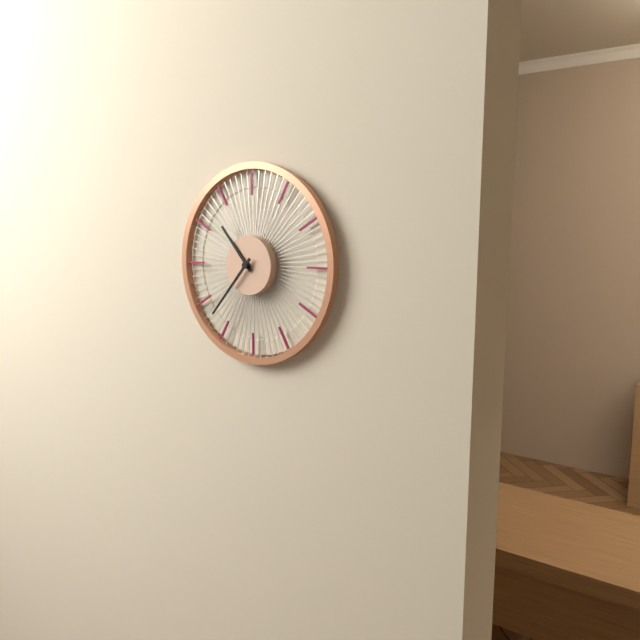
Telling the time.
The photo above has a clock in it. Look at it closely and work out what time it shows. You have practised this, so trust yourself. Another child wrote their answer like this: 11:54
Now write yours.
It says 10:37
